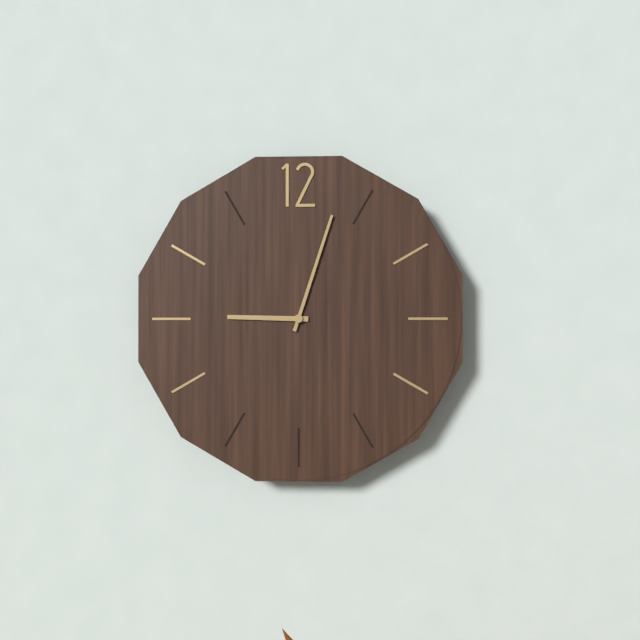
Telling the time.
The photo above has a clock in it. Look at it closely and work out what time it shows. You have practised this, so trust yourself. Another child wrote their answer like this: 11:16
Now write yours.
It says 9:03
